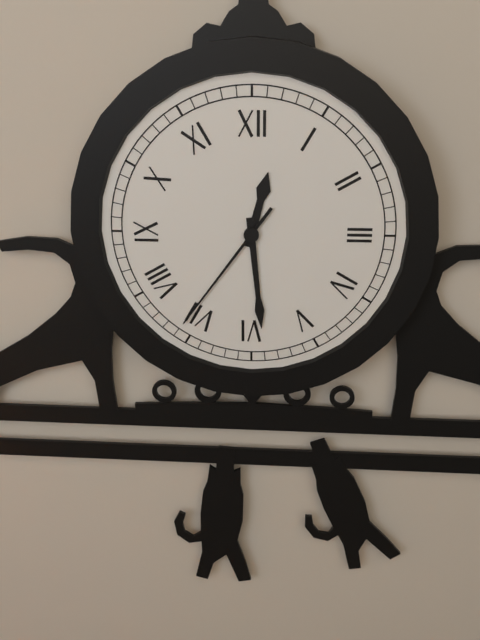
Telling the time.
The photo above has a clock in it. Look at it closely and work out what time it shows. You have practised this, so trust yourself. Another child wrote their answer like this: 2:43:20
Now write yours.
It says 12:29:36
